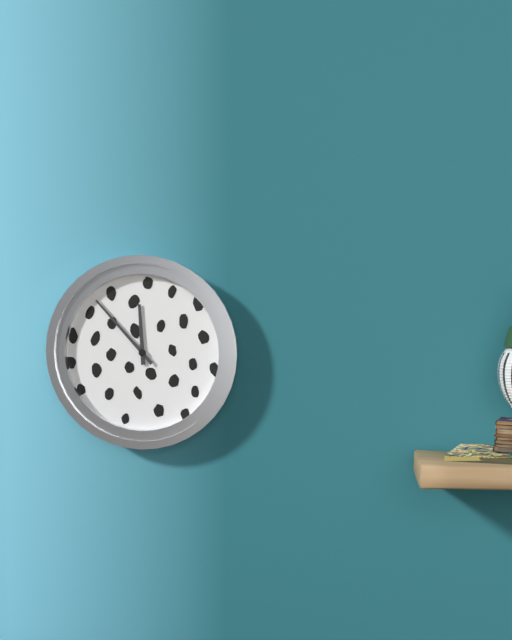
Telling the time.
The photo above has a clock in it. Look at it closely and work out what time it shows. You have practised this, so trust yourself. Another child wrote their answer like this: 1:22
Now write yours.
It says 11:53
